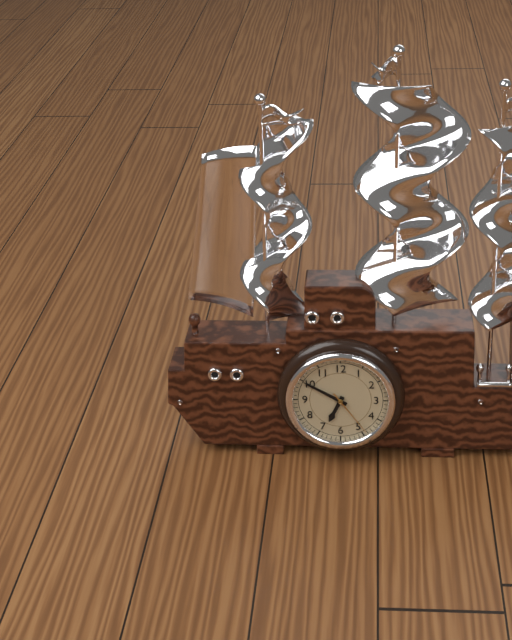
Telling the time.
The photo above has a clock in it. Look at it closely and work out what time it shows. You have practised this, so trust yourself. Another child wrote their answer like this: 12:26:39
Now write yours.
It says 6:50:24
